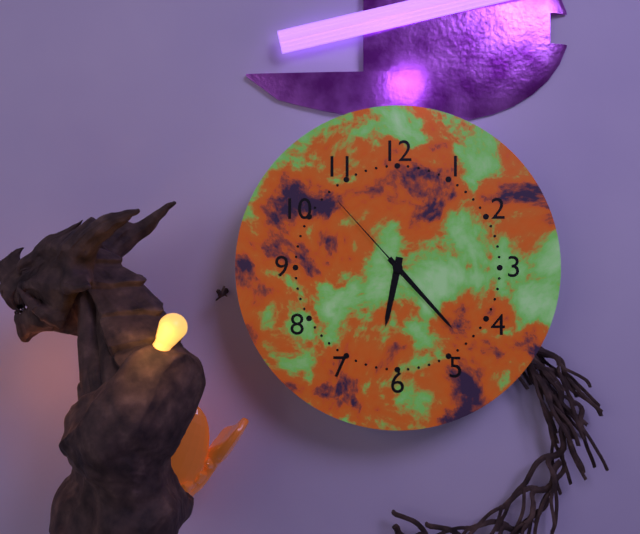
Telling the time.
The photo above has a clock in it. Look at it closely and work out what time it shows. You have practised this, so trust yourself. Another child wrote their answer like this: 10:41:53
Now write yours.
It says 6:23:53
